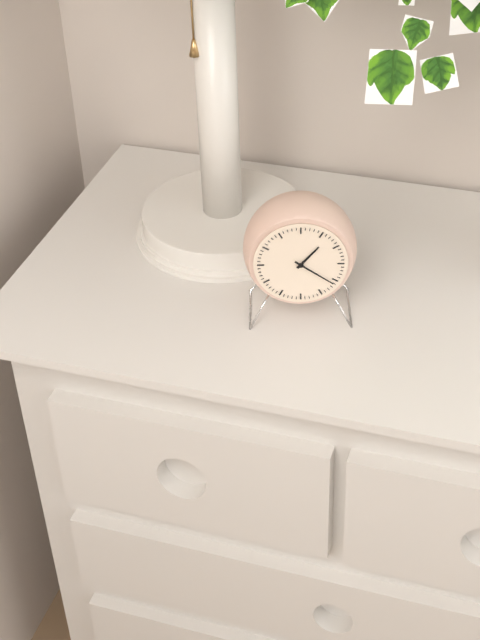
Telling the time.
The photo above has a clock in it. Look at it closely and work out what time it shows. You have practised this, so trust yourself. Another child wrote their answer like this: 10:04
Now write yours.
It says 1:21
